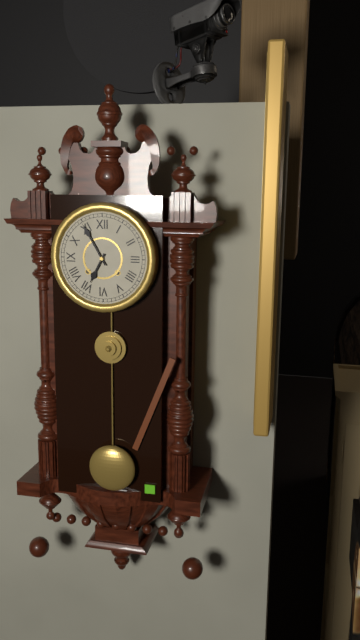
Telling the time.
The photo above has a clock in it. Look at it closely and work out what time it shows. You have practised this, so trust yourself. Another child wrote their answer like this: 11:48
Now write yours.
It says 6:55
